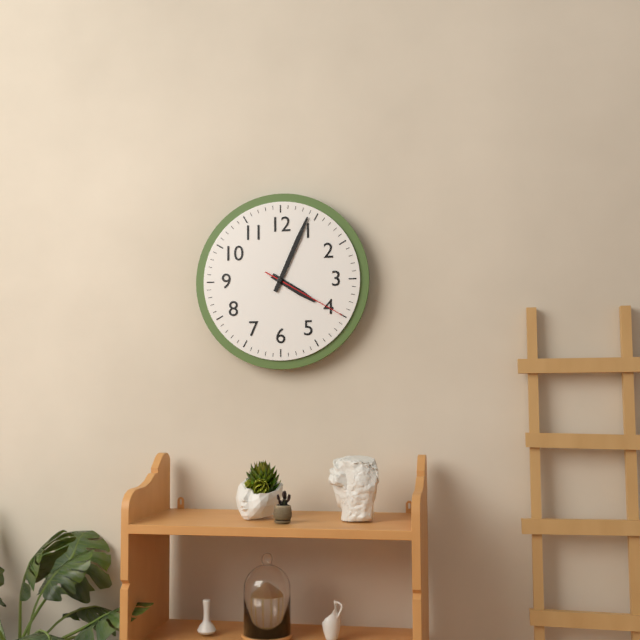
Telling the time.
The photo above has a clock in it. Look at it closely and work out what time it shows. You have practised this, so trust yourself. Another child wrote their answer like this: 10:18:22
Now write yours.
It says 4:04:20
